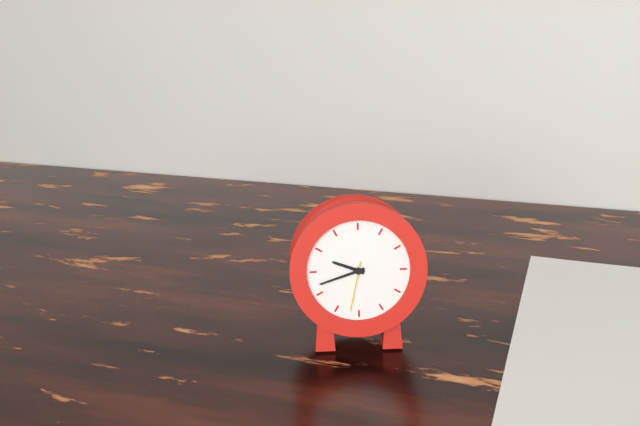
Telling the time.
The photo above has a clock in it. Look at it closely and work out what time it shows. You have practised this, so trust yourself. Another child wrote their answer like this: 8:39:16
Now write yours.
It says 9:42:32
